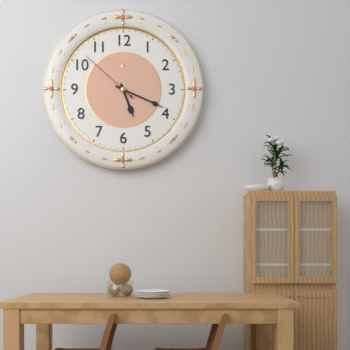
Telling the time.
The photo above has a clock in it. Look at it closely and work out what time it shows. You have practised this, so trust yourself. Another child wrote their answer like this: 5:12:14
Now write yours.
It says 5:19:52
